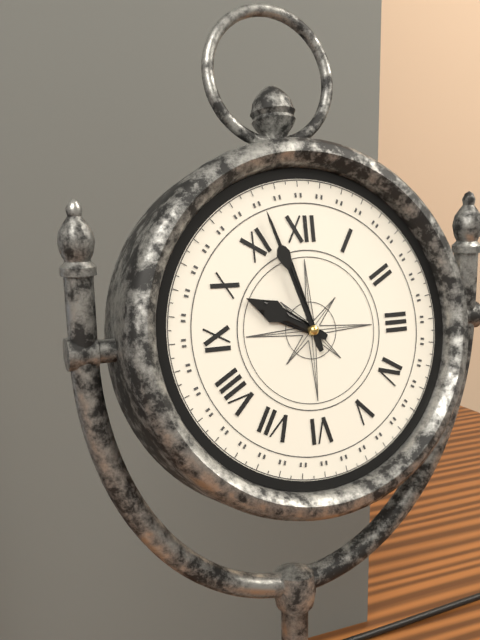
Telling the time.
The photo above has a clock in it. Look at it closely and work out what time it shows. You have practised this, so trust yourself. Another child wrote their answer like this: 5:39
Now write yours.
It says 9:57
